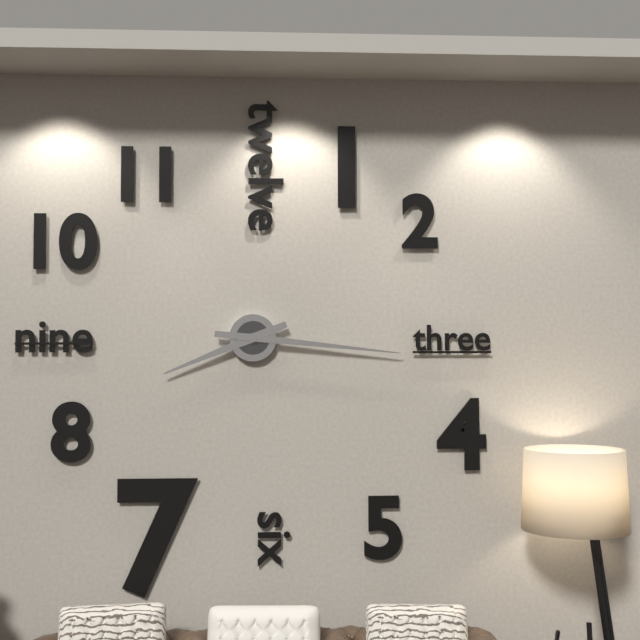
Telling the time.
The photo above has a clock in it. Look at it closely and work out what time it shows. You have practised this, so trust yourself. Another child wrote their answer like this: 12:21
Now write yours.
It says 8:16
